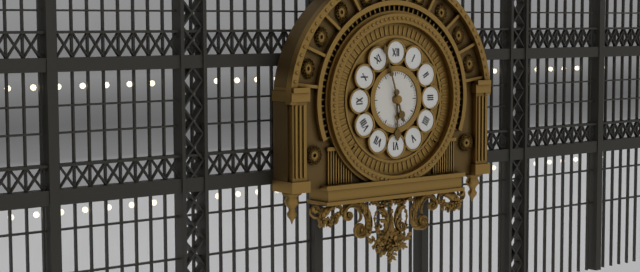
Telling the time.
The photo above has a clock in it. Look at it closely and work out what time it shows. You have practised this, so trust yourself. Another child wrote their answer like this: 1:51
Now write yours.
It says 5:57
